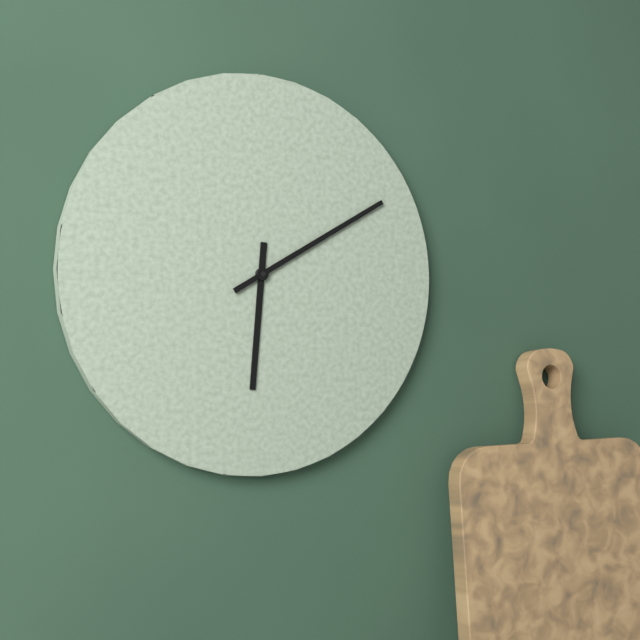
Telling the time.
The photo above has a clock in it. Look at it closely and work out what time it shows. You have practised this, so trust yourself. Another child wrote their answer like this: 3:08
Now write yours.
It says 6:10
